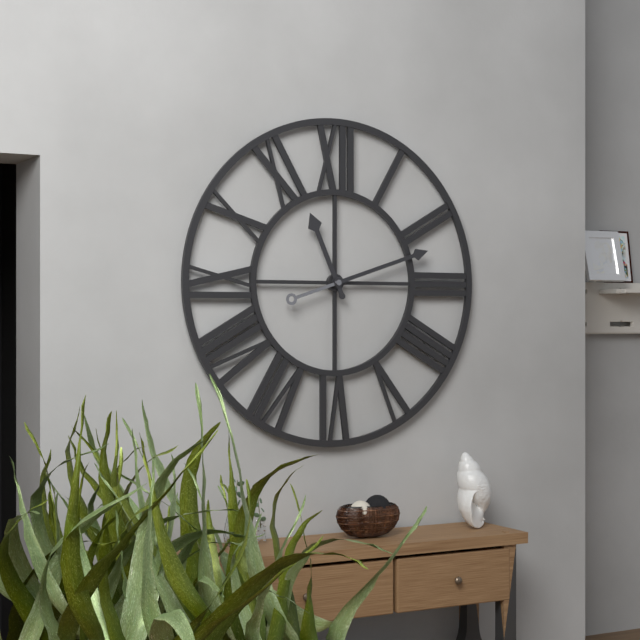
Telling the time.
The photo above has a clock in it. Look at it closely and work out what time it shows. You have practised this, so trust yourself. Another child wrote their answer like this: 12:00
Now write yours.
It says 11:12
